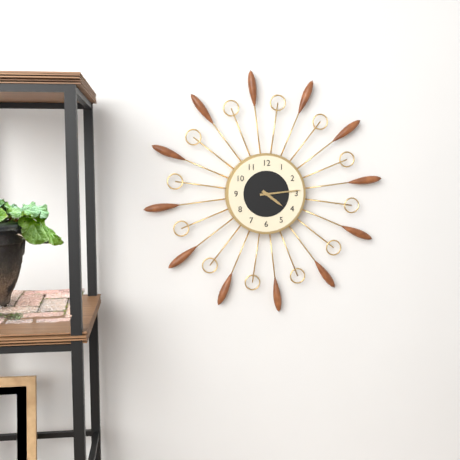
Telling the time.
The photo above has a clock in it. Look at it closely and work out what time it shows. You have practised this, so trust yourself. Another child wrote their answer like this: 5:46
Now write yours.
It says 4:14
